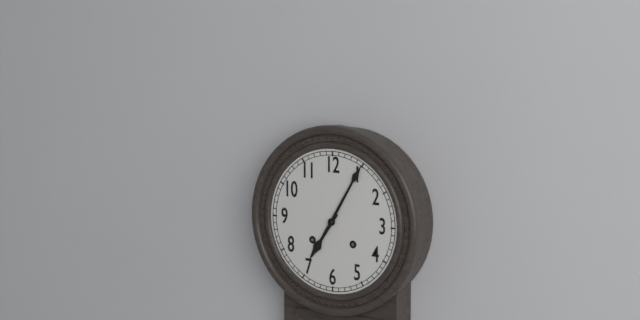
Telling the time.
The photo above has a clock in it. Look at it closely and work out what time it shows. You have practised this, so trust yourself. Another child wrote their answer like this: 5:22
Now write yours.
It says 7:05
